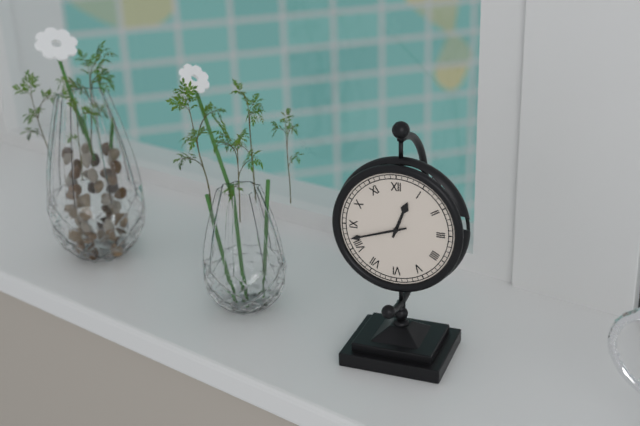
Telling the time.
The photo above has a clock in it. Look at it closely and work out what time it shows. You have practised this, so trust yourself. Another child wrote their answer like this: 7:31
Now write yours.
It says 12:42
